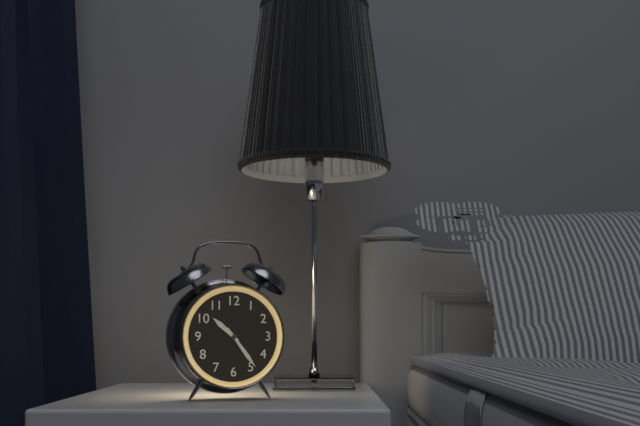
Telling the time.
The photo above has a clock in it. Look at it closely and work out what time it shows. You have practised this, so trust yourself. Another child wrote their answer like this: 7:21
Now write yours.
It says 10:24
